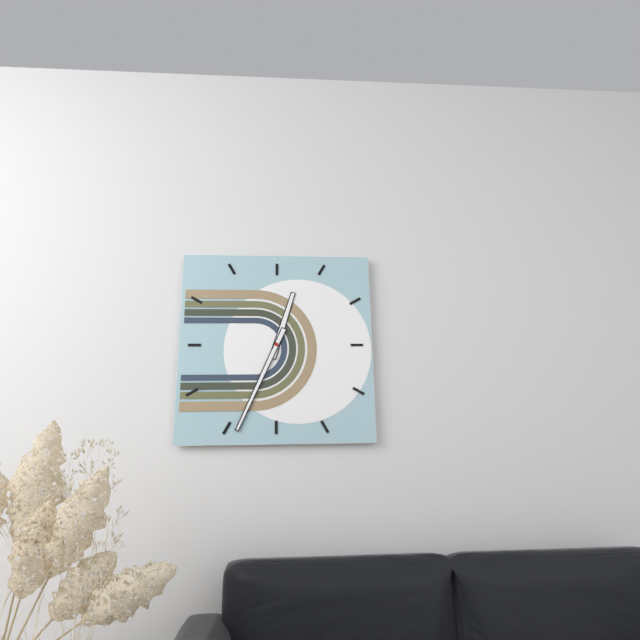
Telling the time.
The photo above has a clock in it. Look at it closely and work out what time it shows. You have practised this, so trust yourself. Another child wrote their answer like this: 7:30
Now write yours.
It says 12:34
